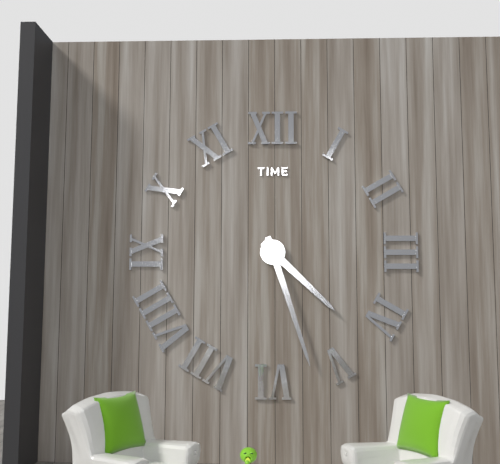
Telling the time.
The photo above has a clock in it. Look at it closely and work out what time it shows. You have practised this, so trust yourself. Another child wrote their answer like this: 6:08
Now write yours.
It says 4:27
